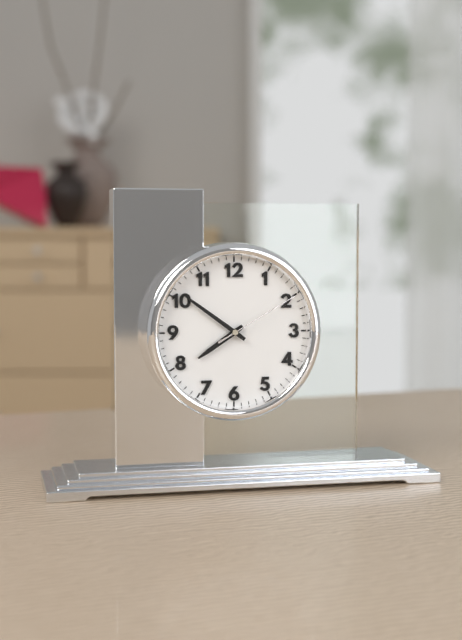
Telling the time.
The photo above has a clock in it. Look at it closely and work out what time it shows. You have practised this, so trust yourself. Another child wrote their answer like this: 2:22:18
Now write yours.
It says 7:51:10
